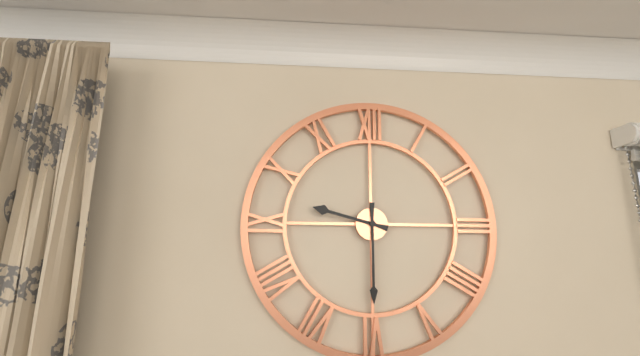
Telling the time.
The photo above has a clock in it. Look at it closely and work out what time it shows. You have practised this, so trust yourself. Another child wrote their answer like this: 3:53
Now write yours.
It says 9:30
